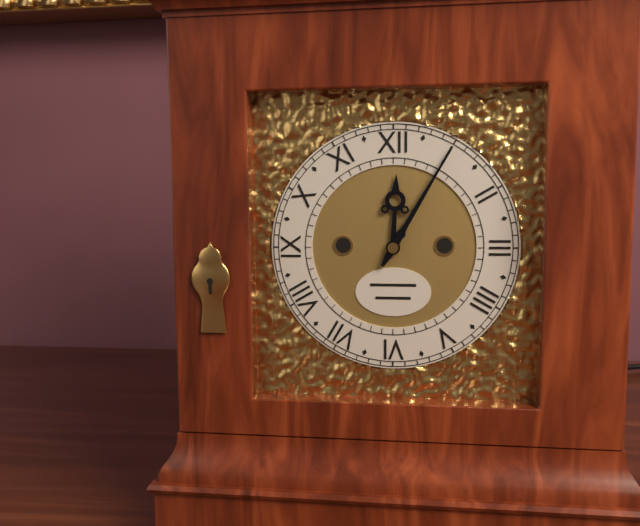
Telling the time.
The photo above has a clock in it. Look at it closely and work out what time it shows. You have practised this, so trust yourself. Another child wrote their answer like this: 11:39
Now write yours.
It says 12:05
